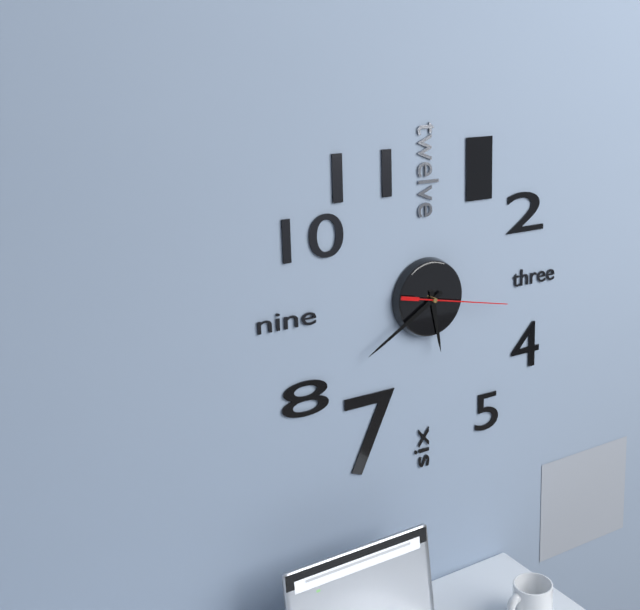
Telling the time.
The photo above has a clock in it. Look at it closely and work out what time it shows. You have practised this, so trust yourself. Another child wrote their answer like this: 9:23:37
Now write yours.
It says 5:40:17
